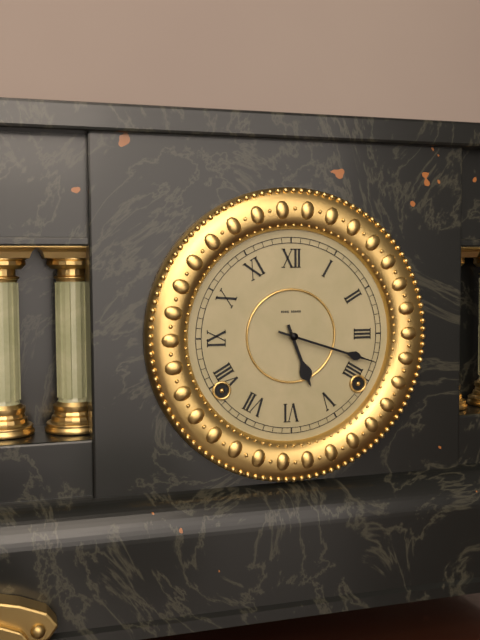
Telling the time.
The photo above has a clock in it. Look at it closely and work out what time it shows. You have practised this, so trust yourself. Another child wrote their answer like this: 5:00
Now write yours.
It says 5:18
